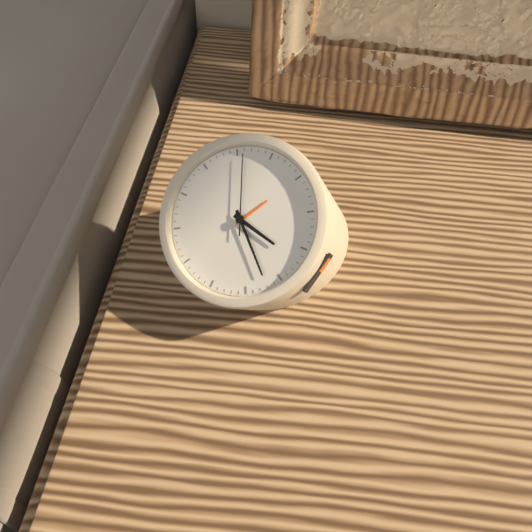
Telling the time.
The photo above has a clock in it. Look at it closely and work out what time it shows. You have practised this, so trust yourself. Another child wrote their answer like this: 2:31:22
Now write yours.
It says 3:22:56
